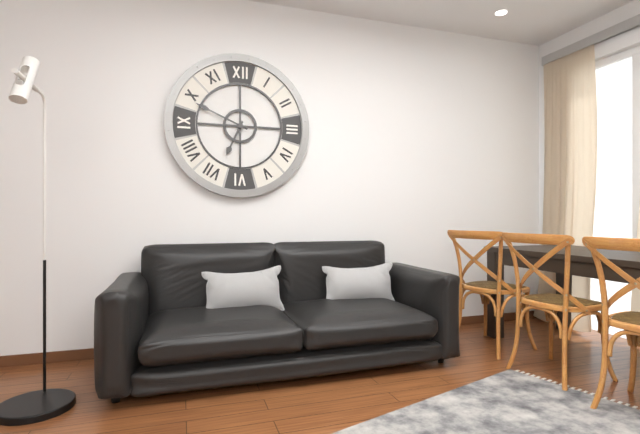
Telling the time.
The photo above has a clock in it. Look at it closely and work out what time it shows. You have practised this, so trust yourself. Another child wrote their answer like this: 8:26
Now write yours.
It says 6:49
